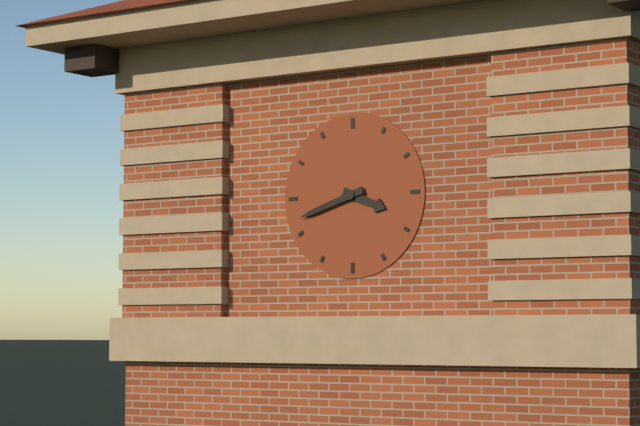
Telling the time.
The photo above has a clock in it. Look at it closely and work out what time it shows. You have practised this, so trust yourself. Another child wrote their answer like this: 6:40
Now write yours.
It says 3:42
